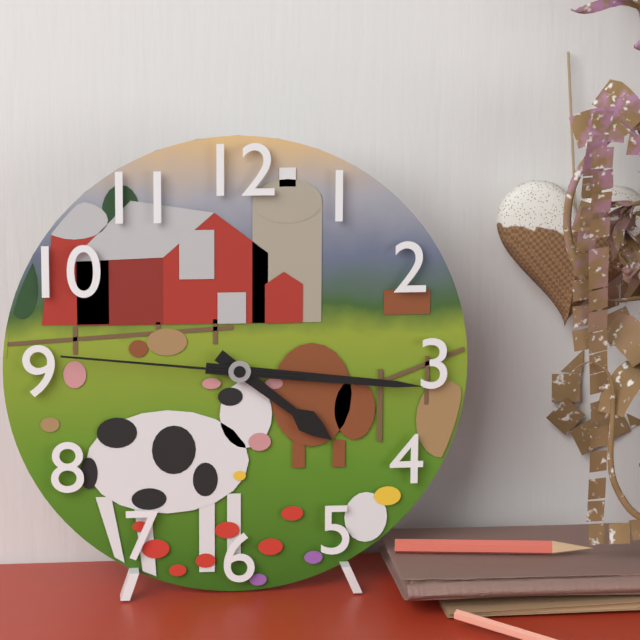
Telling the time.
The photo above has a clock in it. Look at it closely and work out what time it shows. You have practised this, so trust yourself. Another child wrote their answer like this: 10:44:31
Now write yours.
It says 4:16:46
